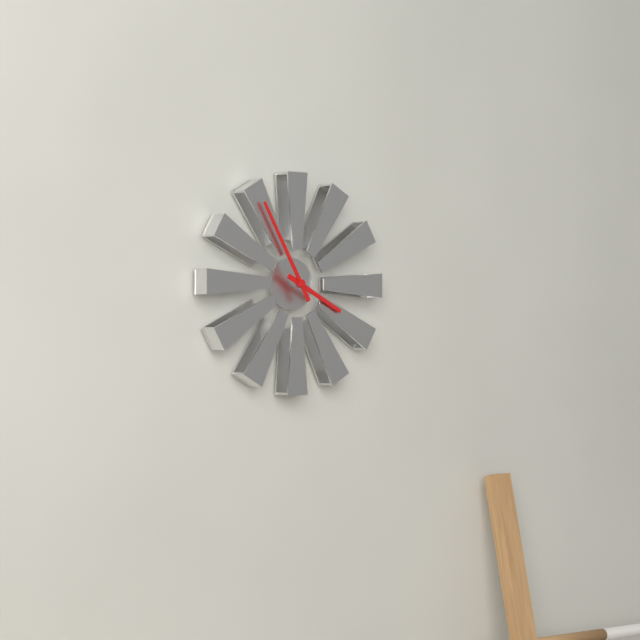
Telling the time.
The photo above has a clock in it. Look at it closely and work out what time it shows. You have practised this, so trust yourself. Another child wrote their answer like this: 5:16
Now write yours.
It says 3:55
